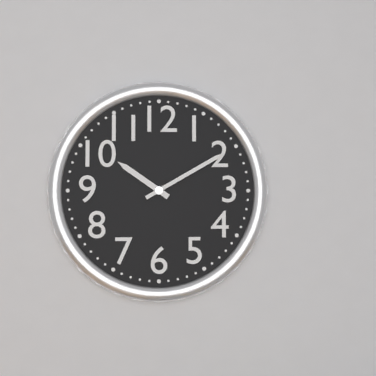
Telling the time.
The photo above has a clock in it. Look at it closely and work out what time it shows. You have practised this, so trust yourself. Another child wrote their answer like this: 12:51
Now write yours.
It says 10:10
